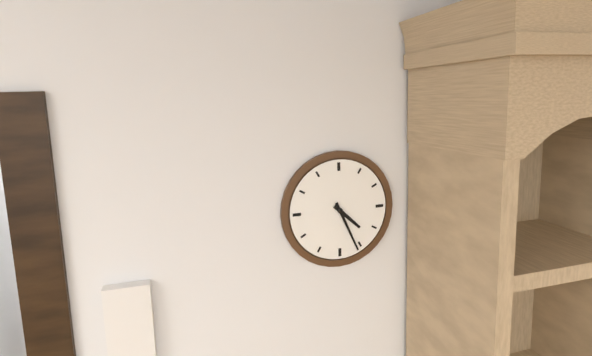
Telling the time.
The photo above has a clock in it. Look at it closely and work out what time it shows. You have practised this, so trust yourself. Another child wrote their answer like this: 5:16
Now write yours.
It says 4:26
